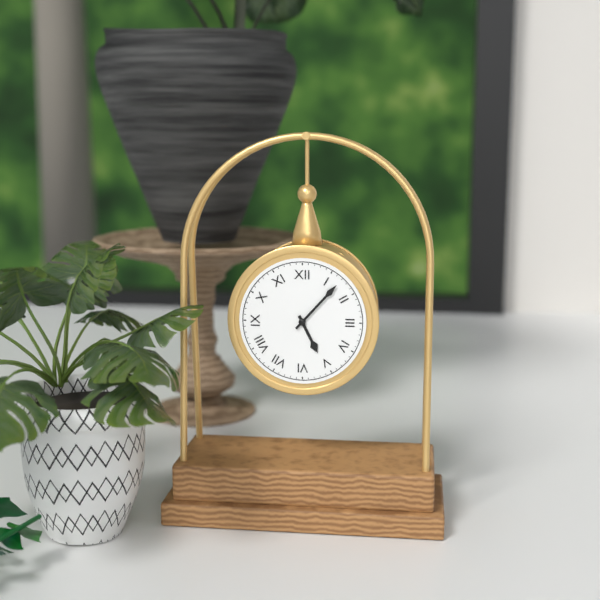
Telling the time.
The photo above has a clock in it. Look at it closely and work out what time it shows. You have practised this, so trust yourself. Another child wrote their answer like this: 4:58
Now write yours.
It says 5:07
